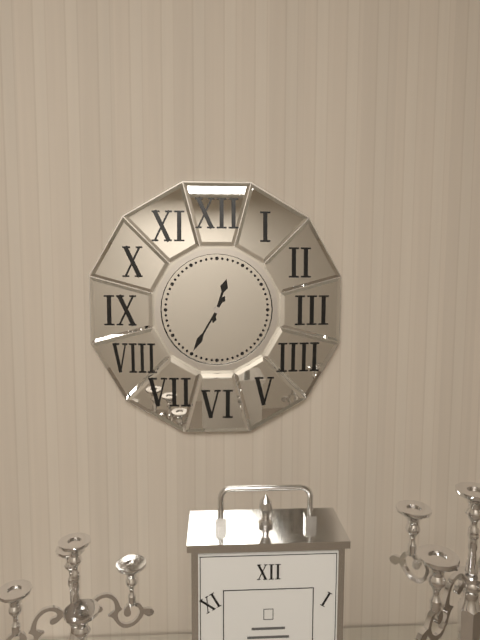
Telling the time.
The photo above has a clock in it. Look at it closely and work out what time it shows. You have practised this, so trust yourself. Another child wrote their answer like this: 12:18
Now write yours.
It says 12:35
